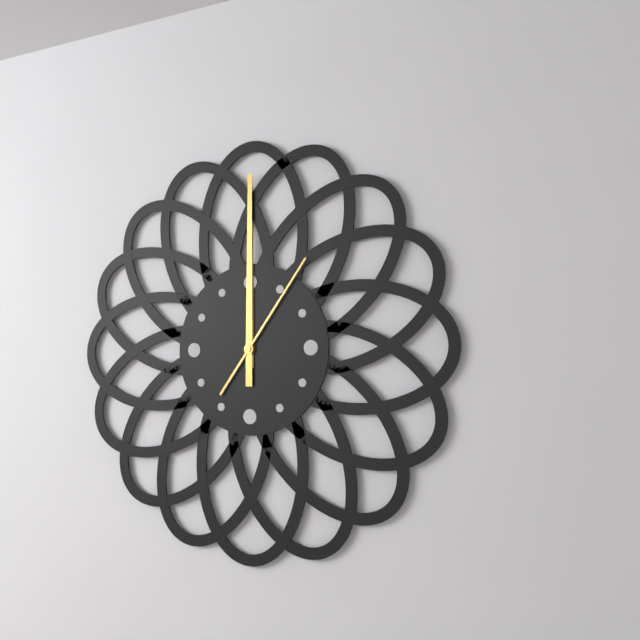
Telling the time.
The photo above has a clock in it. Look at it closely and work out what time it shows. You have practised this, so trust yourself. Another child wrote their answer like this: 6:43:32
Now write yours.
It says 12:00:06
